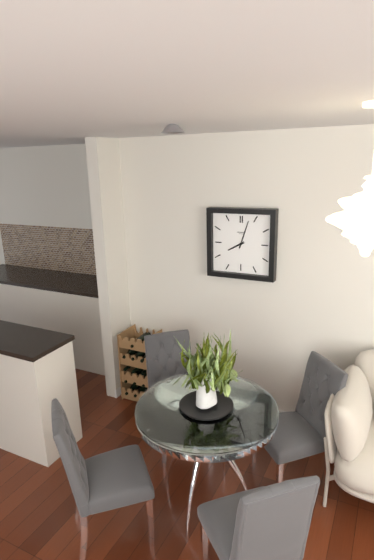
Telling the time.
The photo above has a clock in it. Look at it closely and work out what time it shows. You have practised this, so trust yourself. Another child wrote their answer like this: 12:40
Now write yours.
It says 8:03
